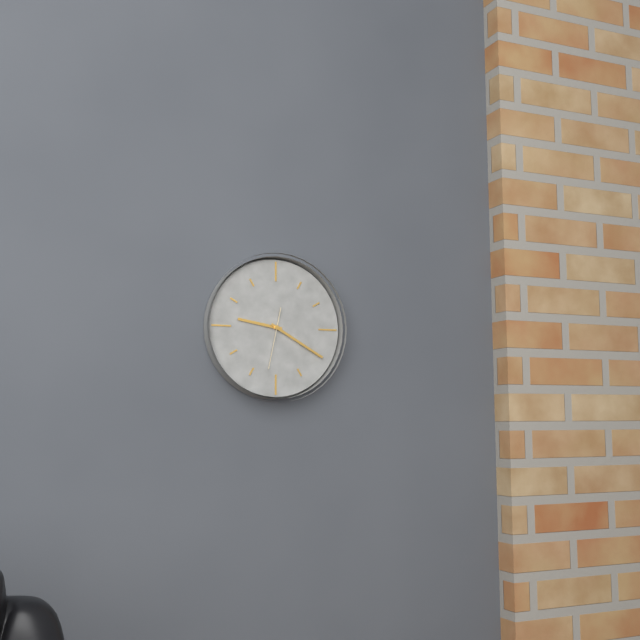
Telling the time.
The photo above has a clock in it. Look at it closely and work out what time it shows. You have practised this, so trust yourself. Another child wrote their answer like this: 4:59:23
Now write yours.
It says 9:20:32
